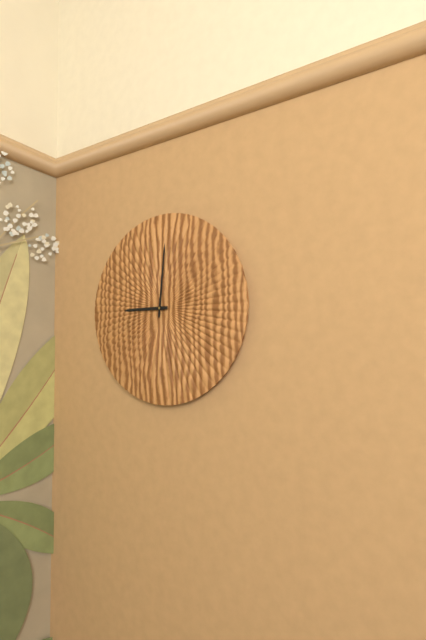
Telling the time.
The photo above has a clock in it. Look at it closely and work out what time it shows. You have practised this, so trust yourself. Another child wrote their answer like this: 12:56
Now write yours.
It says 9:01
